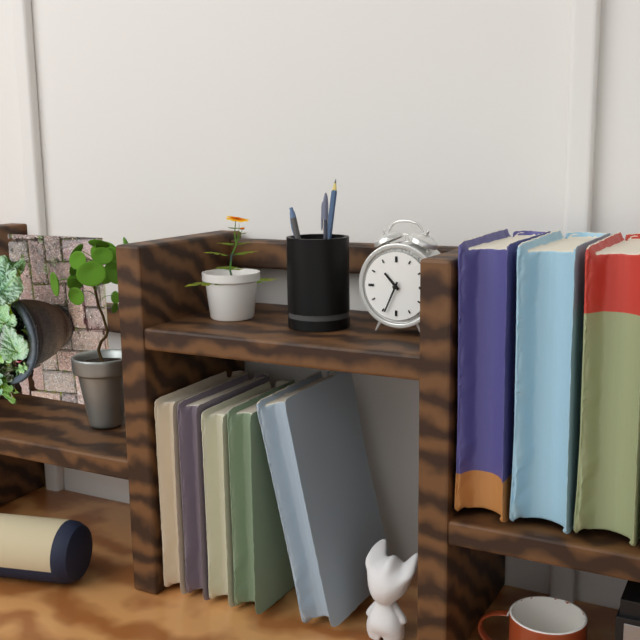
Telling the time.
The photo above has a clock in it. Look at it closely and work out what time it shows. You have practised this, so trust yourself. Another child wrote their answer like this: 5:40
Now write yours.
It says 10:34
